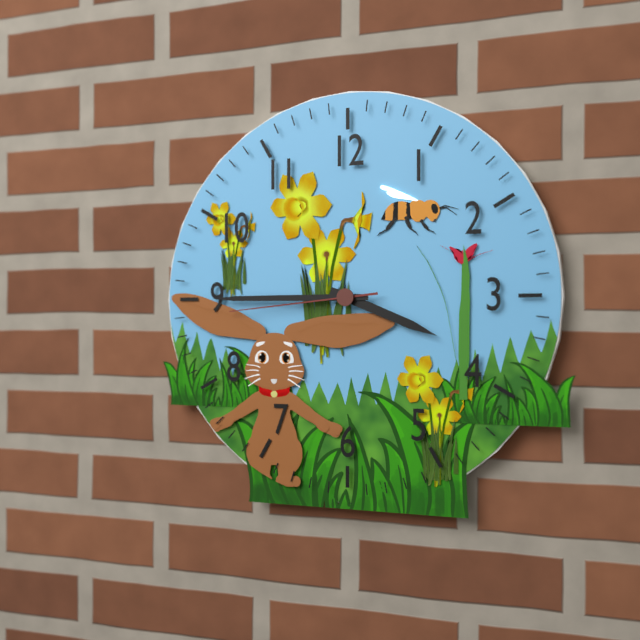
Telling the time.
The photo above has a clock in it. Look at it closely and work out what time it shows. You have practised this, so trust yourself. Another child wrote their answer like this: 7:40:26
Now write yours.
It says 3:45:44
